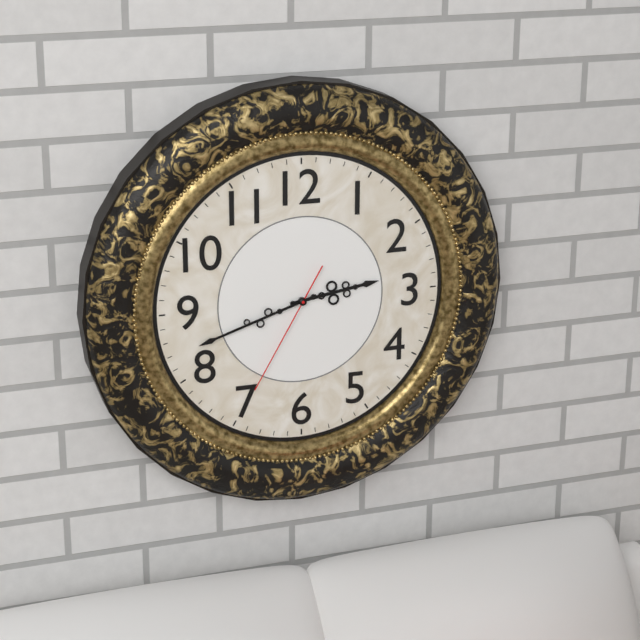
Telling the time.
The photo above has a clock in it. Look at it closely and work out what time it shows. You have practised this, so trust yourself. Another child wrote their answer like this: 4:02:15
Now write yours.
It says 2:42:35
